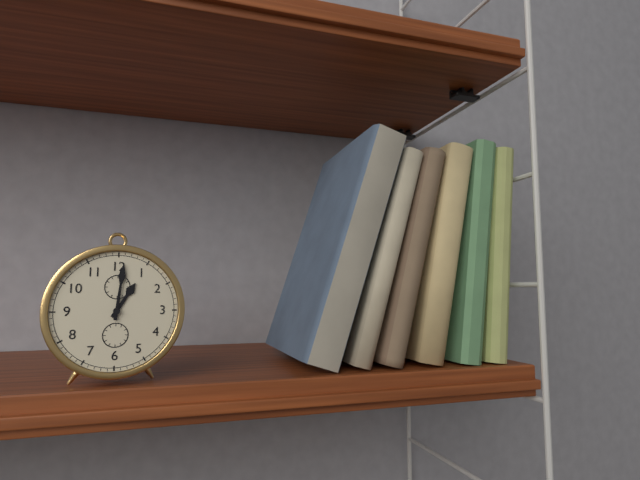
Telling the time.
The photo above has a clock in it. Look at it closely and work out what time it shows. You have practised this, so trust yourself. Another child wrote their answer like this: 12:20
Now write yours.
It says 1:01
